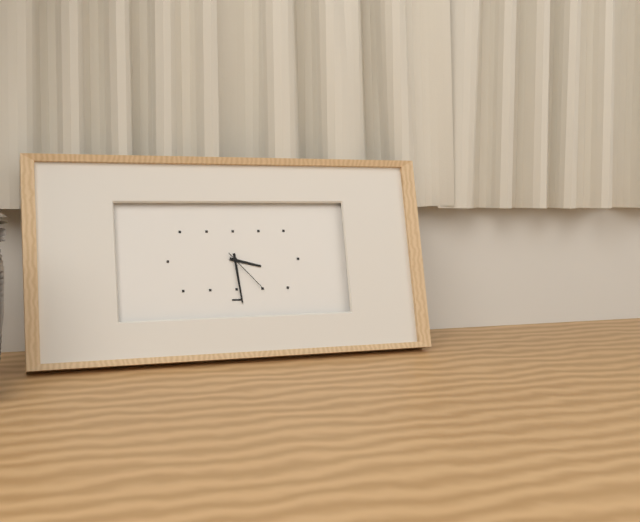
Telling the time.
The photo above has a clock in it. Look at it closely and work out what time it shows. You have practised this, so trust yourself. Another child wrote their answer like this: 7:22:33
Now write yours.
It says 3:29:23
